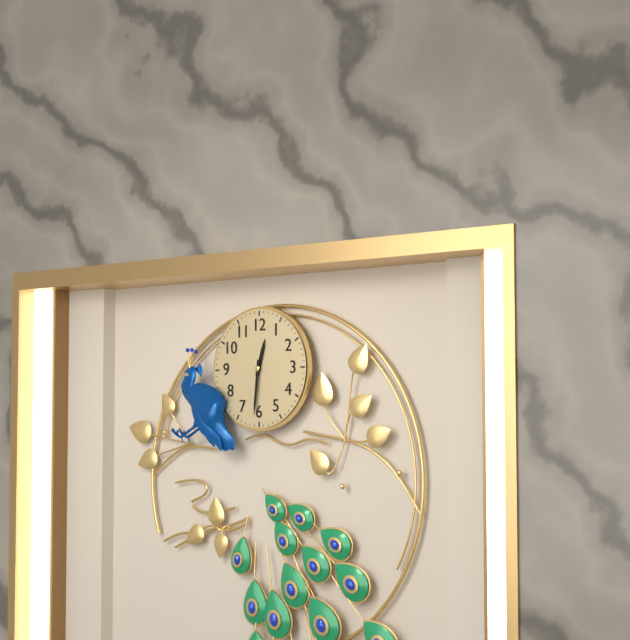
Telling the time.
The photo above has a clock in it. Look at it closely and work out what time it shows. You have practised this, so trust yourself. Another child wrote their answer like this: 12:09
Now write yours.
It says 12:31
